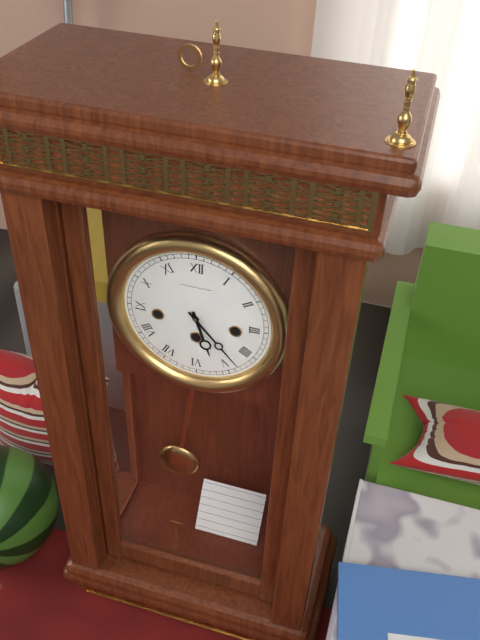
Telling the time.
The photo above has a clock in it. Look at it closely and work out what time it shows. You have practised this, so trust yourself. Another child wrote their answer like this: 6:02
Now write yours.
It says 5:23
